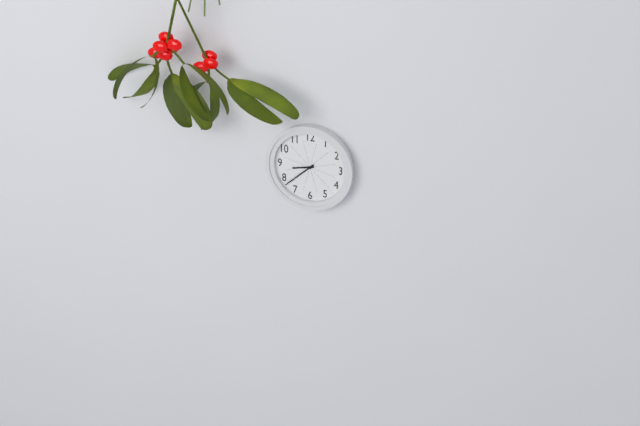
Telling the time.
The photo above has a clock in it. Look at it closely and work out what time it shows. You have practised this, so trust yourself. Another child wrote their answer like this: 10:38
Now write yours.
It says 8:38
